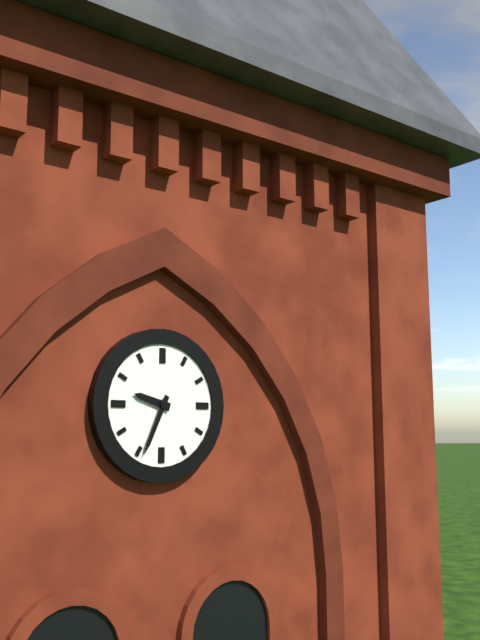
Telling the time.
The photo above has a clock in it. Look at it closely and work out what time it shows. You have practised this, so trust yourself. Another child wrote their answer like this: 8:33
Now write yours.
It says 9:34
